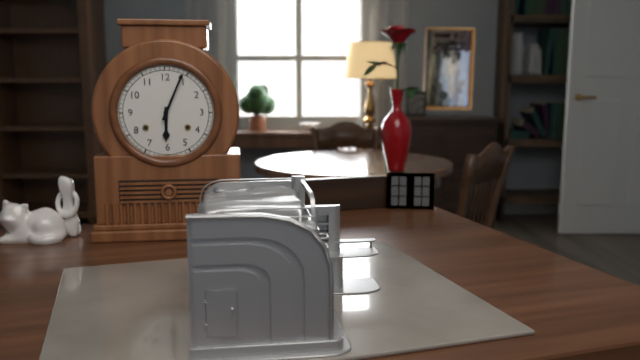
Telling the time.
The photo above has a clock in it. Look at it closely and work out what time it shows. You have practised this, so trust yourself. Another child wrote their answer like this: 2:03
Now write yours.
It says 6:04
